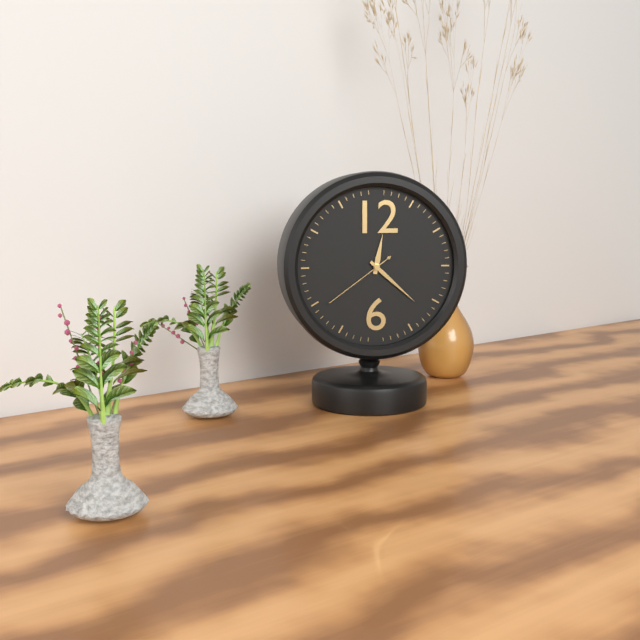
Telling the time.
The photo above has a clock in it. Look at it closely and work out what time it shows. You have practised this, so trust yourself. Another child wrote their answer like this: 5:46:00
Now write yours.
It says 12:22:39
